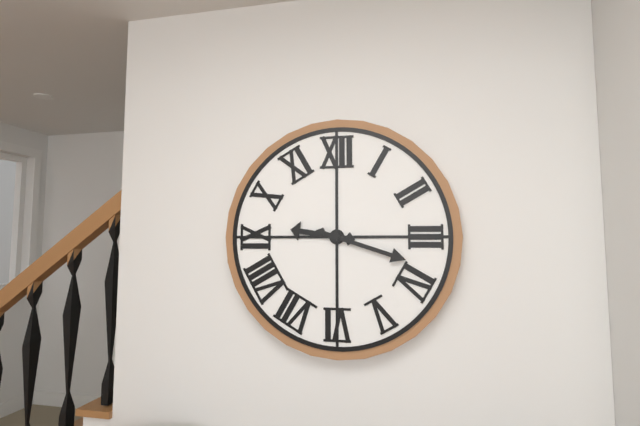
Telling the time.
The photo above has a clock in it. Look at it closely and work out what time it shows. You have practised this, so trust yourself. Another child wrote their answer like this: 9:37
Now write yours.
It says 9:18
